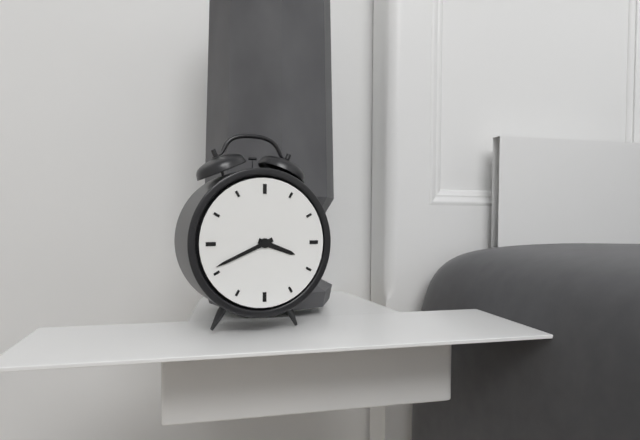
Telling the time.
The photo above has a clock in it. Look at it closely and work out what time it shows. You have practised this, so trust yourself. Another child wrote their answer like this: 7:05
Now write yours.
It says 3:41
